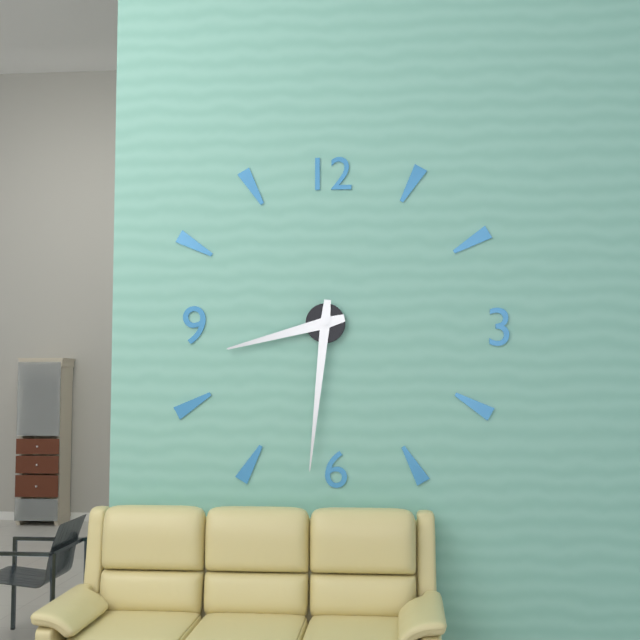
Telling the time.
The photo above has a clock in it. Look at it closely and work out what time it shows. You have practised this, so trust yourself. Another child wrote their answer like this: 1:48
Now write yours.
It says 8:31
